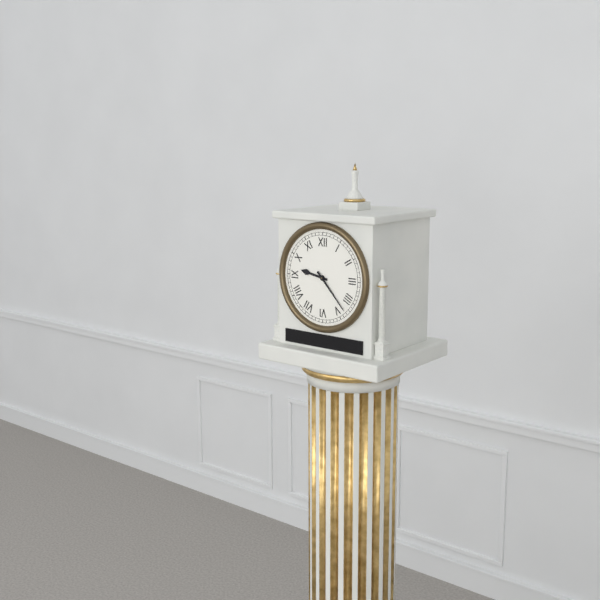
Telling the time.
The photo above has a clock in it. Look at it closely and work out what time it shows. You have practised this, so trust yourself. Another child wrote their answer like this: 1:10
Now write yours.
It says 9:23
